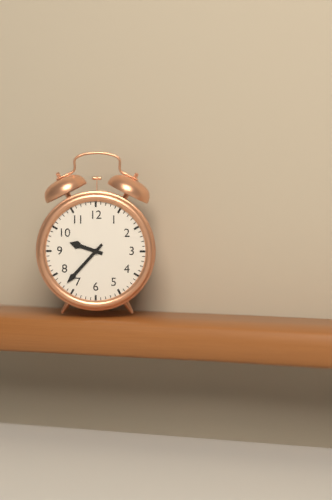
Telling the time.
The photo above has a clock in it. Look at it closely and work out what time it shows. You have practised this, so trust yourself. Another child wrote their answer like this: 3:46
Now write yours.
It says 9:37
